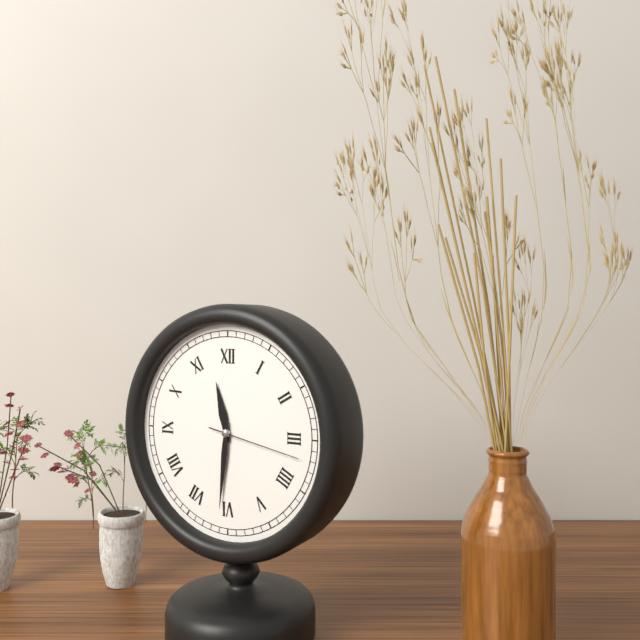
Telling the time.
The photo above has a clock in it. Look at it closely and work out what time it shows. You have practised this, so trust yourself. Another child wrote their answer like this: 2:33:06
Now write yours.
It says 11:31:17
